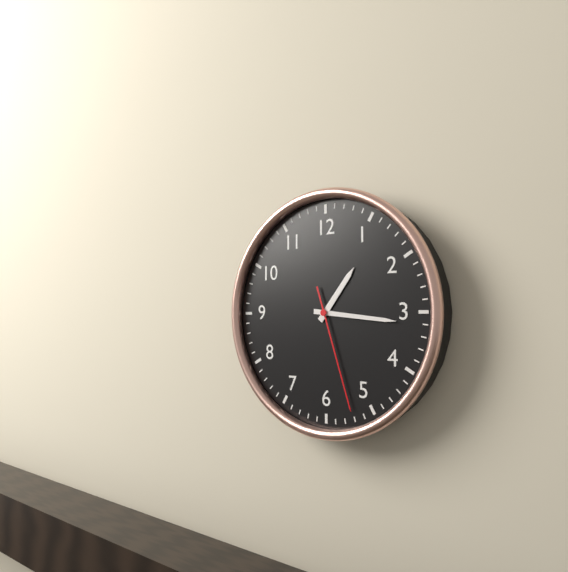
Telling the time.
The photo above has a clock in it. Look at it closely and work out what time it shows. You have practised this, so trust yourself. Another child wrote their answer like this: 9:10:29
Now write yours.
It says 1:16:27
